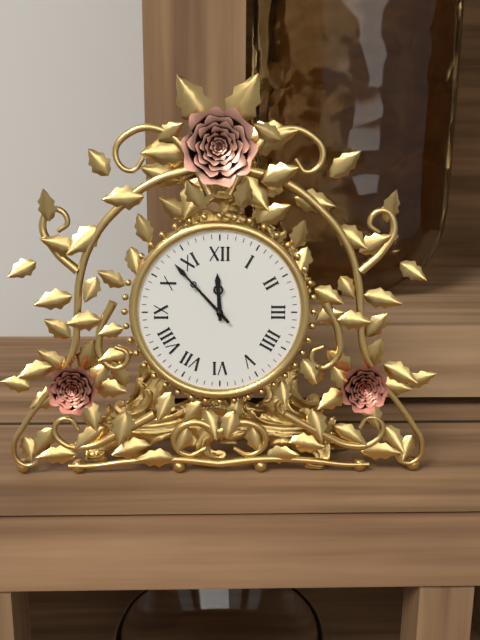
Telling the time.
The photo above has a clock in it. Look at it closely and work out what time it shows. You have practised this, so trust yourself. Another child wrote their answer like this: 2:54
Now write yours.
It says 11:53
